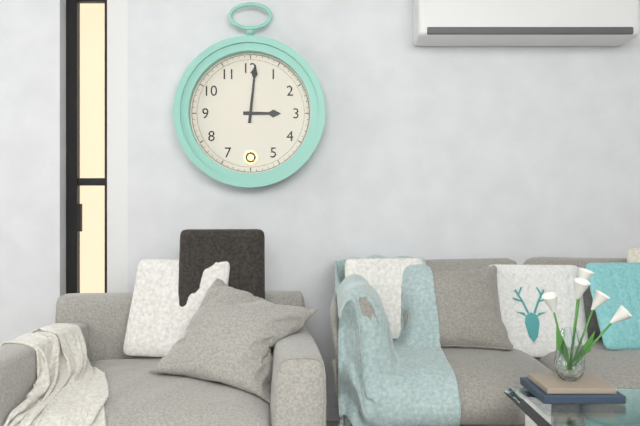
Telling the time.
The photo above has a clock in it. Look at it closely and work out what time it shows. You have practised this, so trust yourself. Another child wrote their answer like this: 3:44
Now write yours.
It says 3:01
